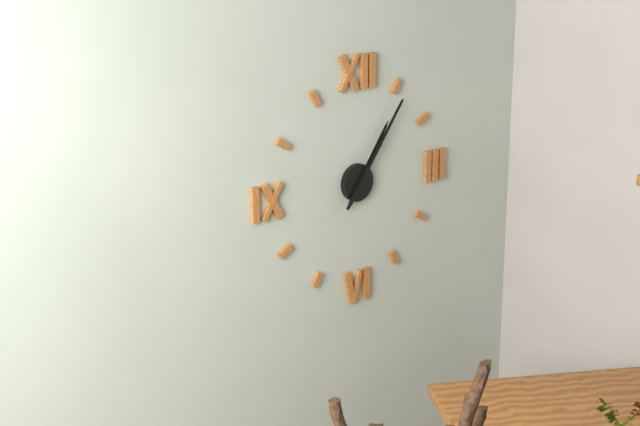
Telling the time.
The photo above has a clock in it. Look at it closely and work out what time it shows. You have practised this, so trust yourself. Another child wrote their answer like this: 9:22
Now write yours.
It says 1:06
